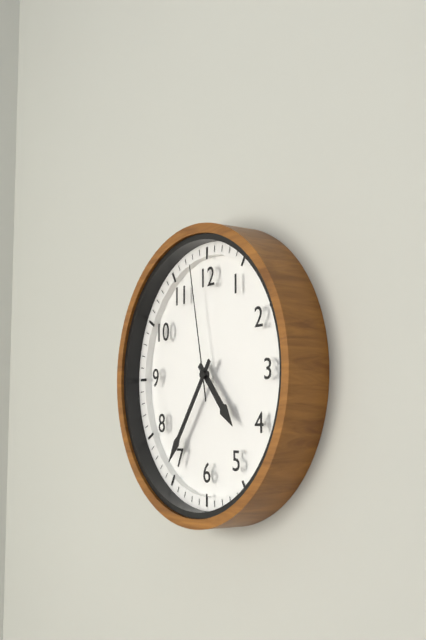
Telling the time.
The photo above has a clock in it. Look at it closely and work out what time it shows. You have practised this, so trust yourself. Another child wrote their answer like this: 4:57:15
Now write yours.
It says 4:36:58
